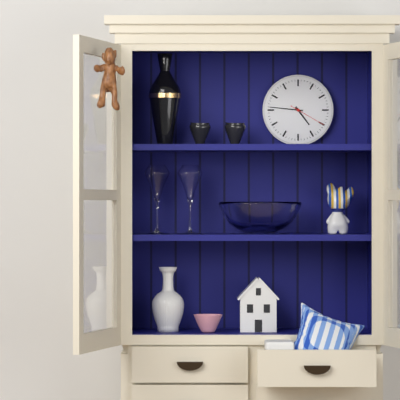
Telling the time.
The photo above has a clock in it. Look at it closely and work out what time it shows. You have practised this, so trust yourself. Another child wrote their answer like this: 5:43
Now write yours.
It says 4:46
